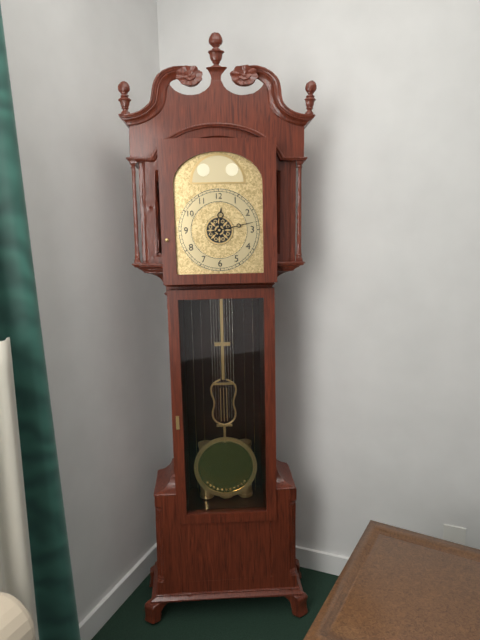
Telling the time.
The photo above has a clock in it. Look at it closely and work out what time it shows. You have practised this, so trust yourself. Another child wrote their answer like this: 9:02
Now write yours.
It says 12:13
